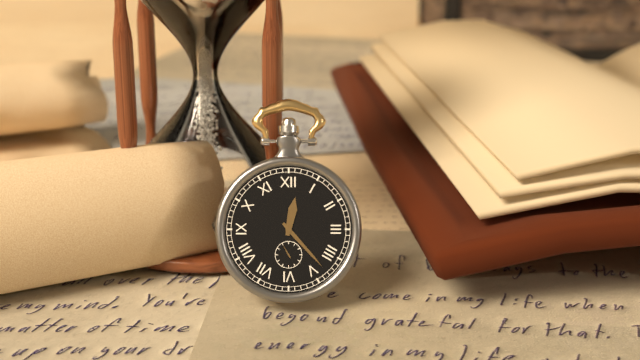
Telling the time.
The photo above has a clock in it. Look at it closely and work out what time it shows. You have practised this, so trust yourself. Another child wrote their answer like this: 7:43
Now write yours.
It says 12:23
